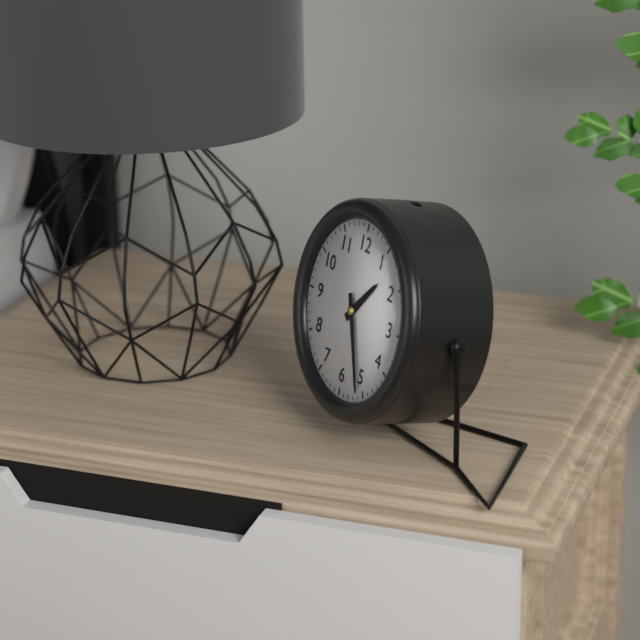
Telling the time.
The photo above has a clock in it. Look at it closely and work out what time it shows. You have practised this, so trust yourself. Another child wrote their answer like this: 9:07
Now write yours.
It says 1:26
